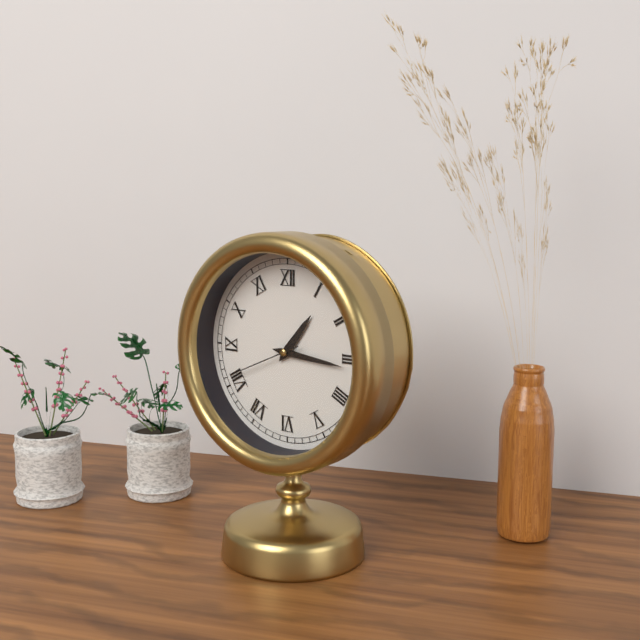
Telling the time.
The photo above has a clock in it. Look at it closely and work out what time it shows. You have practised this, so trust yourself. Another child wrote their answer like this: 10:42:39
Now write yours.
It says 1:16:41
